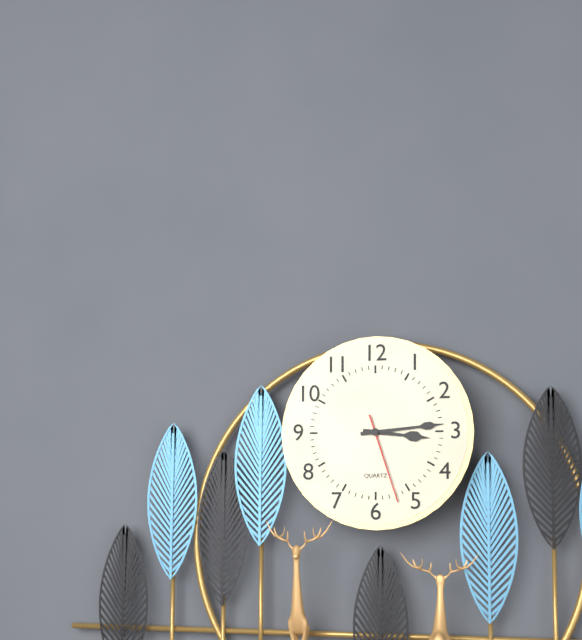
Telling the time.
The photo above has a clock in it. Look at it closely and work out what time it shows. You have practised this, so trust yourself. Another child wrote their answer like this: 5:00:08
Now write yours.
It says 3:14:27
